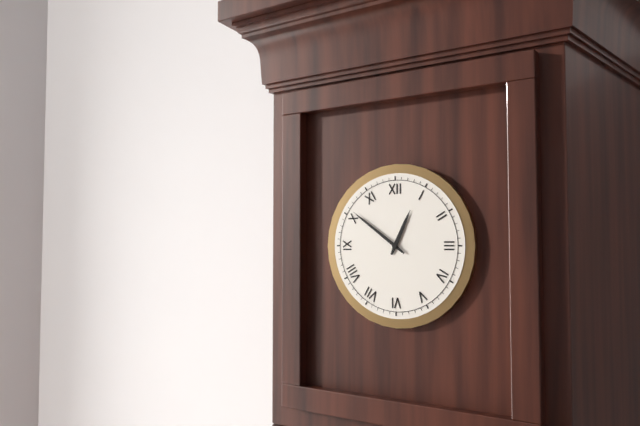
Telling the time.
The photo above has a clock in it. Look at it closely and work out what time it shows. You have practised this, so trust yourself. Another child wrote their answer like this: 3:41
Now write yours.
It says 12:51
